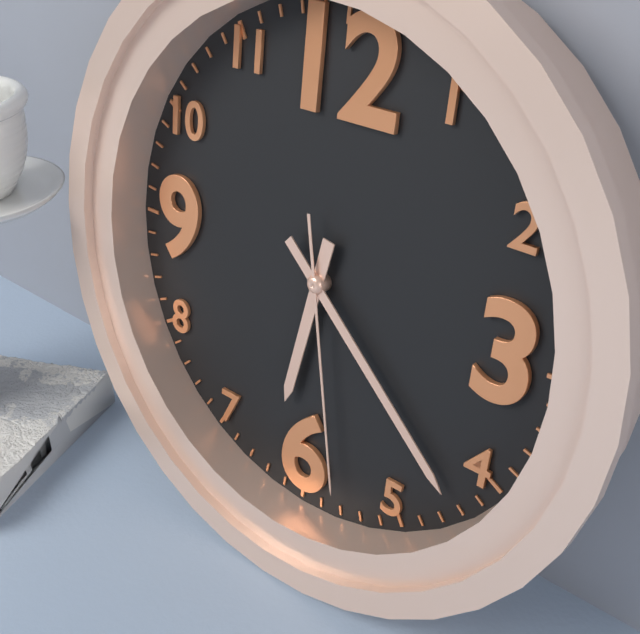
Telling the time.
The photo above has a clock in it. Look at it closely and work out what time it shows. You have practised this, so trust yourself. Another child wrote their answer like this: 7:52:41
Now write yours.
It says 6:22:28
